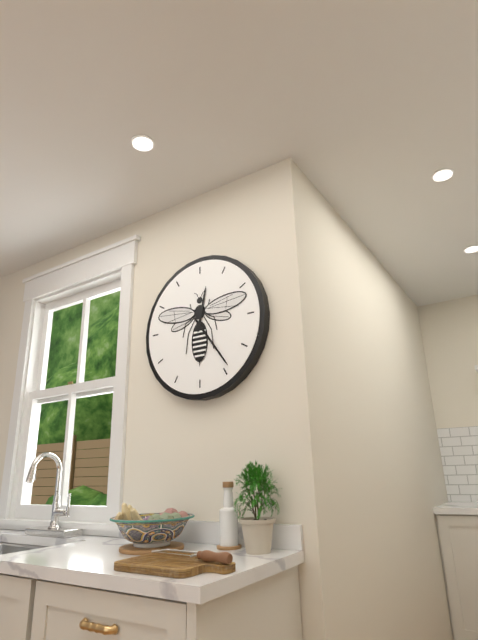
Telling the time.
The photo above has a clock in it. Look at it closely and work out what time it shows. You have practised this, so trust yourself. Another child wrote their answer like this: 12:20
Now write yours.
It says 12:24
